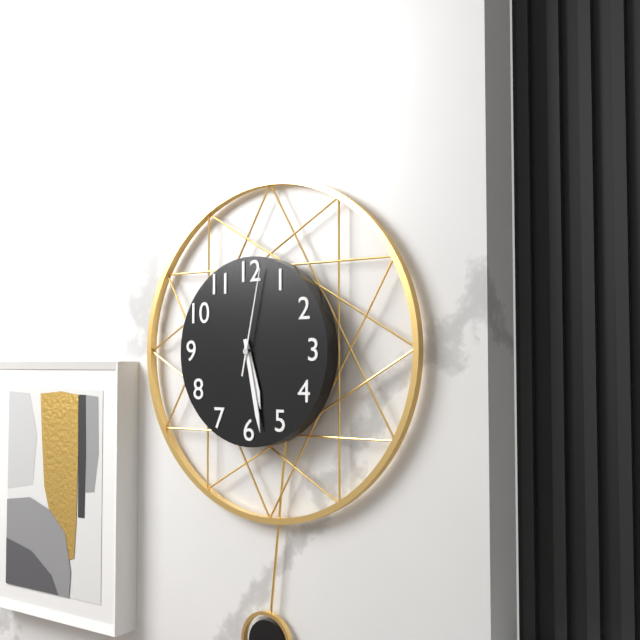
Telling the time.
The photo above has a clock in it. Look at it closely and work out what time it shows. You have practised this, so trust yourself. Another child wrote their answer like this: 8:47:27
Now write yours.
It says 5:28:02
